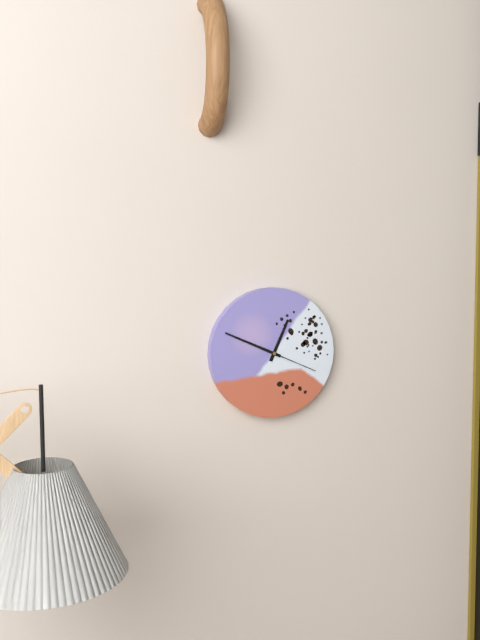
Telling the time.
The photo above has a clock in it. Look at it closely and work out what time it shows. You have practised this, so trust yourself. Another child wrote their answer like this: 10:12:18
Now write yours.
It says 12:49:19
